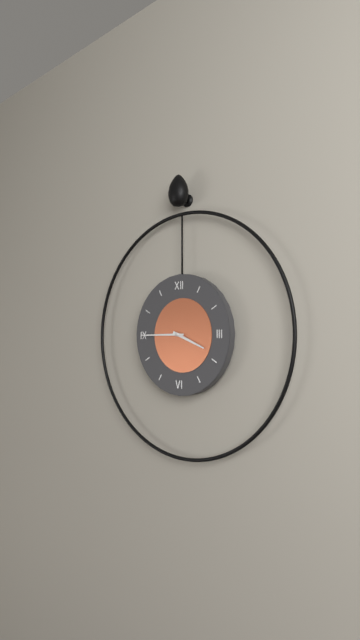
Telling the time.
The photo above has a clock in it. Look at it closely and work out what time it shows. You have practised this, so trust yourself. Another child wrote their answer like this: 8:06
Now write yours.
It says 3:45
